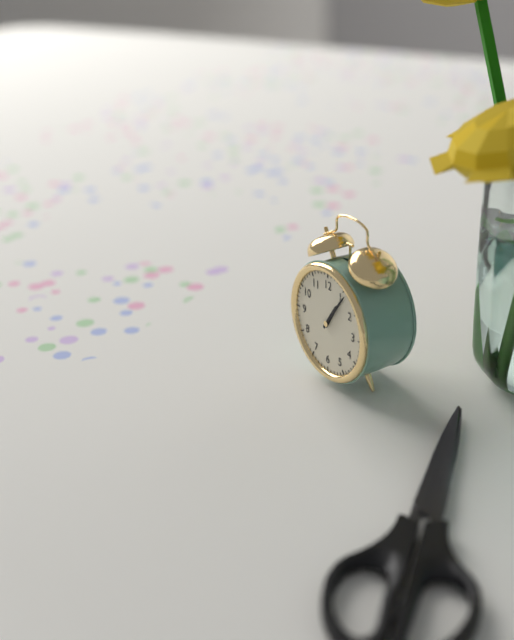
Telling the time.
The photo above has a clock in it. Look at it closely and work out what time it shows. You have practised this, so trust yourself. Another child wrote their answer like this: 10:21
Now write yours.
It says 1:06
